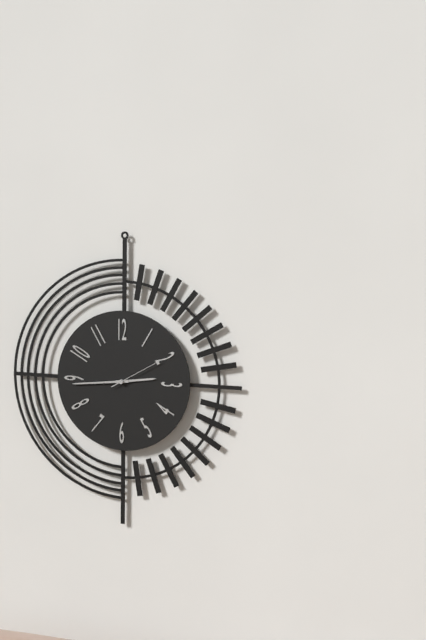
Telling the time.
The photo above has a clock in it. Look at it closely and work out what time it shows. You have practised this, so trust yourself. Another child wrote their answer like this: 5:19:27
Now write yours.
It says 2:44:10
